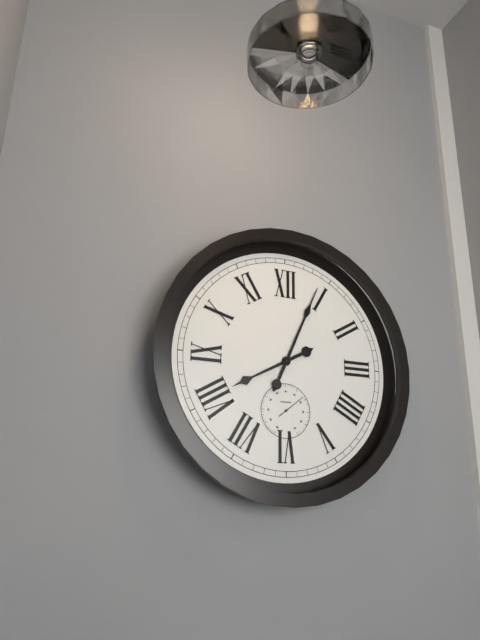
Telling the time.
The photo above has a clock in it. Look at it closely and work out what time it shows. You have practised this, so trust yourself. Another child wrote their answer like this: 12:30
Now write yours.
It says 8:04
